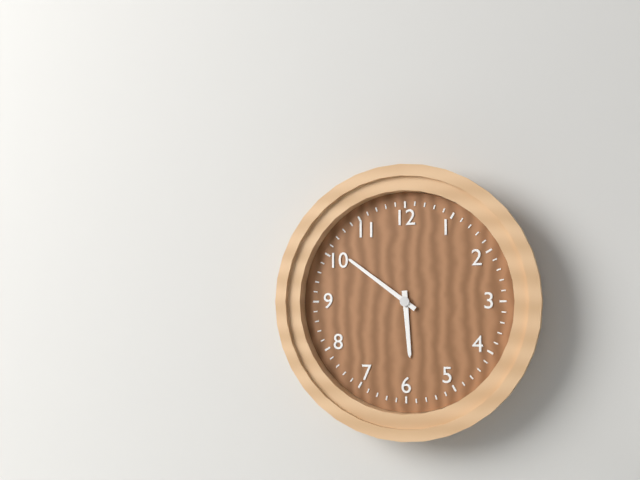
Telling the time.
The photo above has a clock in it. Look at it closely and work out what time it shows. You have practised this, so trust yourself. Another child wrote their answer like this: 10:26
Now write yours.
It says 5:51
